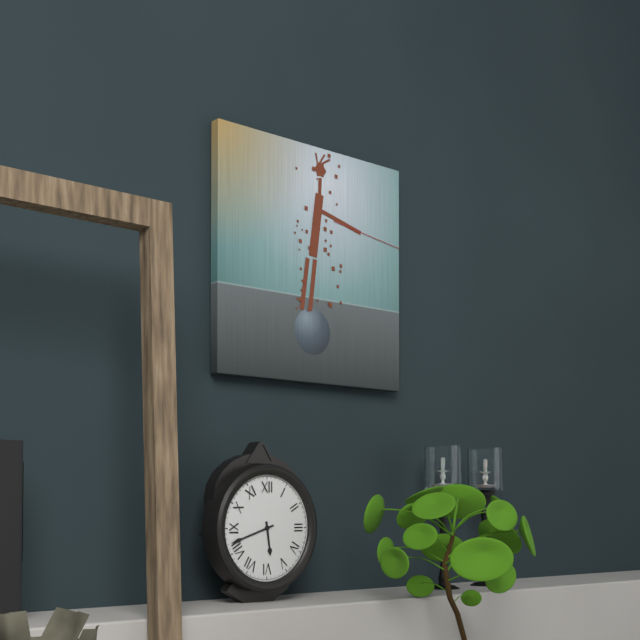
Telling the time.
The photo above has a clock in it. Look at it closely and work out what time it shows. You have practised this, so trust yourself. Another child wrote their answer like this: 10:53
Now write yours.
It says 5:42
